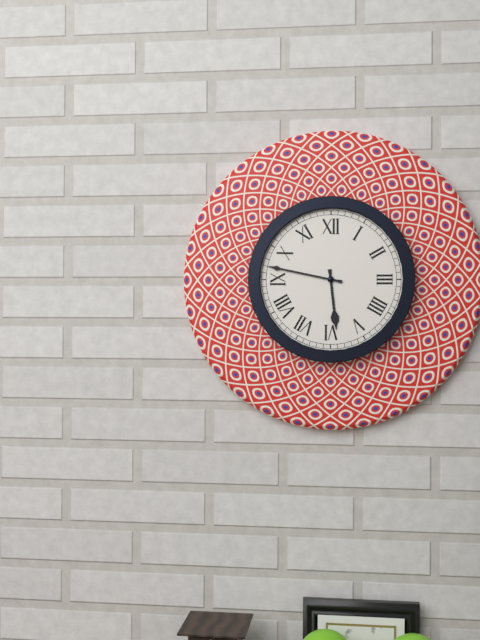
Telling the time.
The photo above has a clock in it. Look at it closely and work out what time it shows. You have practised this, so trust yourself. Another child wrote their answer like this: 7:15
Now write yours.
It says 5:47
